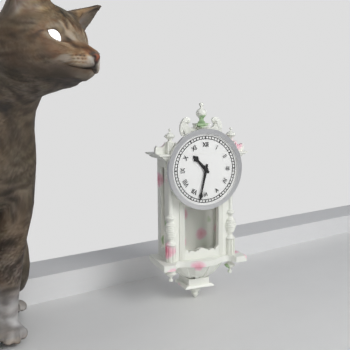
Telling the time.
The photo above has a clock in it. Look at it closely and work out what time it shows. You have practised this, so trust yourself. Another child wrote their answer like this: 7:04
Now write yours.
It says 10:32
